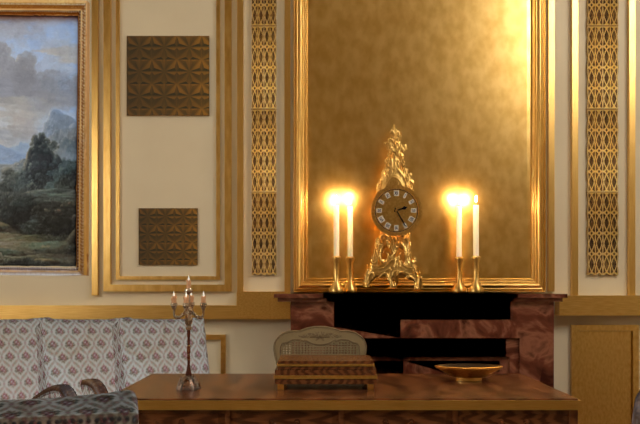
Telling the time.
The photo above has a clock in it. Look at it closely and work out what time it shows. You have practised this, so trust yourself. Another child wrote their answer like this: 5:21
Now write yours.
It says 2:25
